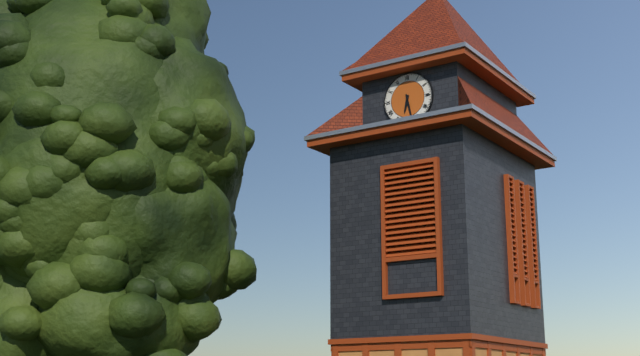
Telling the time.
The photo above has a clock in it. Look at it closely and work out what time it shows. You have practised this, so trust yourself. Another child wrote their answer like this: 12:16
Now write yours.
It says 6:28
